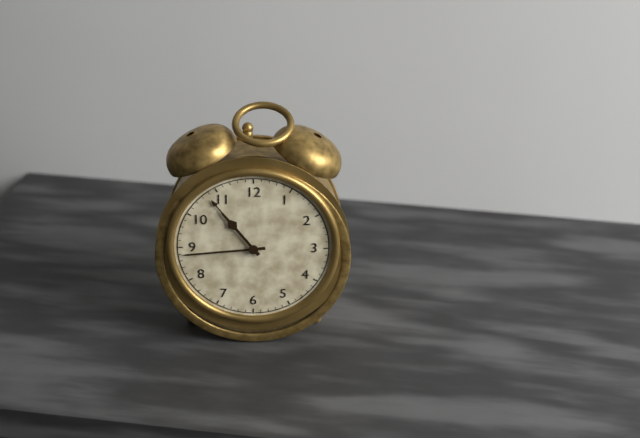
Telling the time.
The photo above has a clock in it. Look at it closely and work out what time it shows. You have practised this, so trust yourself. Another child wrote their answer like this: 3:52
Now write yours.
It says 10:44
